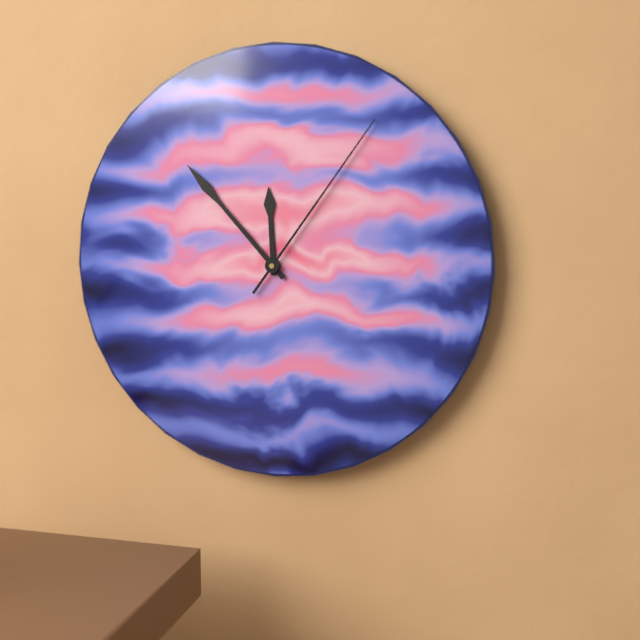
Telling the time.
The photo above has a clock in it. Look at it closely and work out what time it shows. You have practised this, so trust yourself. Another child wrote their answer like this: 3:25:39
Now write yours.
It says 11:53:06
